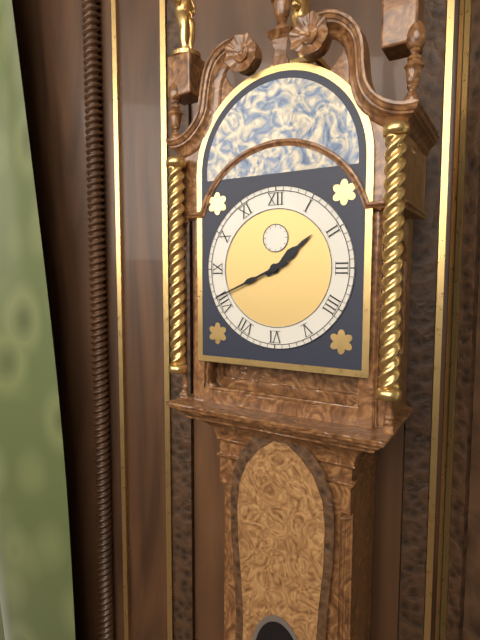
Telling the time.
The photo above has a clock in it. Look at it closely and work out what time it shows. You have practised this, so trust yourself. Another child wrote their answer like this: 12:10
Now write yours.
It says 1:41
